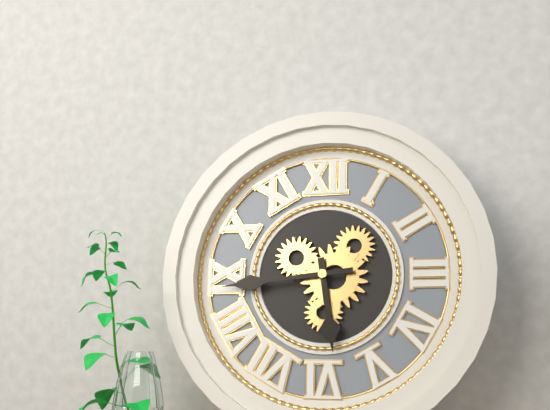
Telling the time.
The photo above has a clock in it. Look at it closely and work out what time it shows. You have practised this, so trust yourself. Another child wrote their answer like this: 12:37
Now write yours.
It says 5:44
